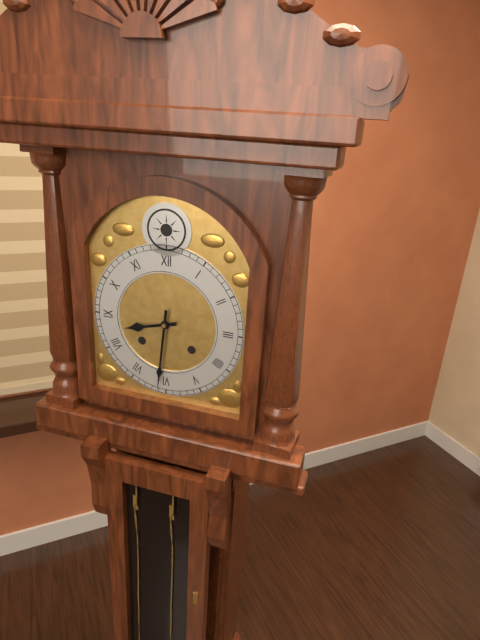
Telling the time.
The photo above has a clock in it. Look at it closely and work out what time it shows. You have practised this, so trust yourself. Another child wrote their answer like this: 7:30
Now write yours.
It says 8:31
